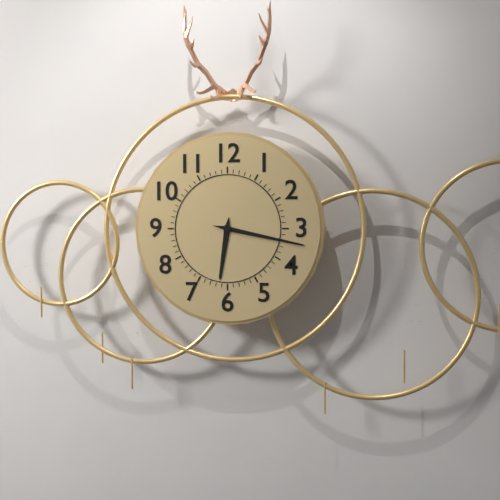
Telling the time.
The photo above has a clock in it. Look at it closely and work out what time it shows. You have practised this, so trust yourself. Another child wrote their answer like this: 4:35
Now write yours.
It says 6:17
